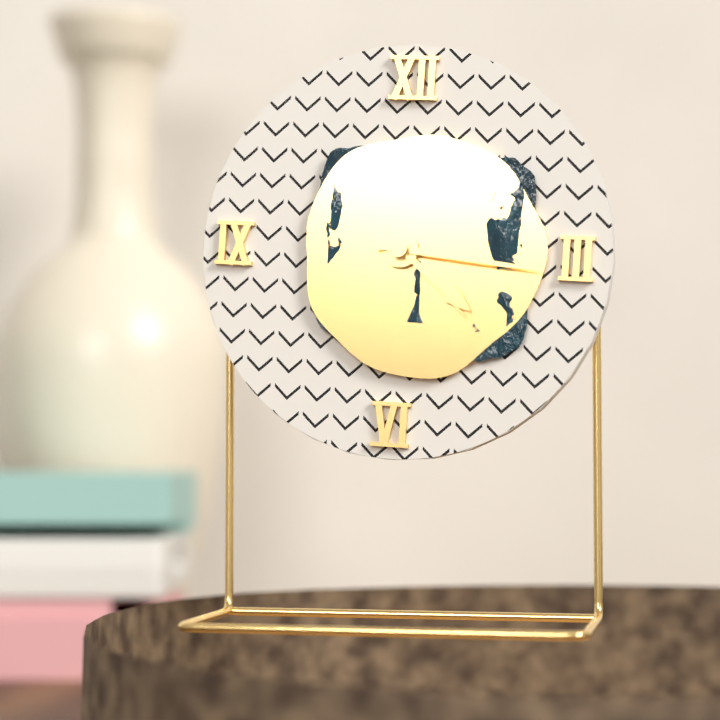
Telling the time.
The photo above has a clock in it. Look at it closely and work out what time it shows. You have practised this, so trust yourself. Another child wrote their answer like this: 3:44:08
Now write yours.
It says 4:16:22
